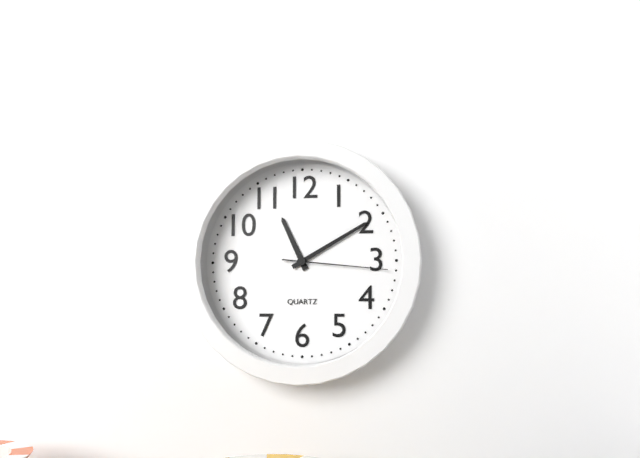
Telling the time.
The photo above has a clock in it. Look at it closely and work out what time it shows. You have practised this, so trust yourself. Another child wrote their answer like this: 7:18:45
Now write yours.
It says 11:10:16
